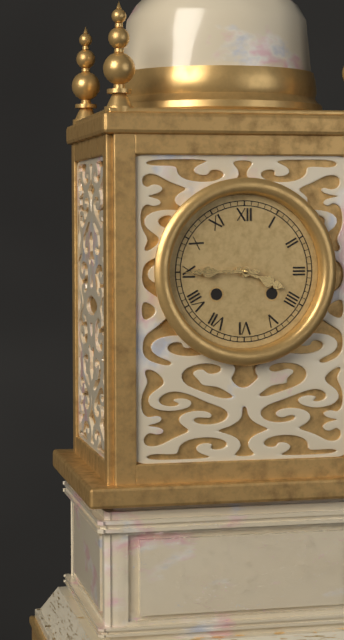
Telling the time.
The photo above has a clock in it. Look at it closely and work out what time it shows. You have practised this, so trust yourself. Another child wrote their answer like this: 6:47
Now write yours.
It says 3:45
